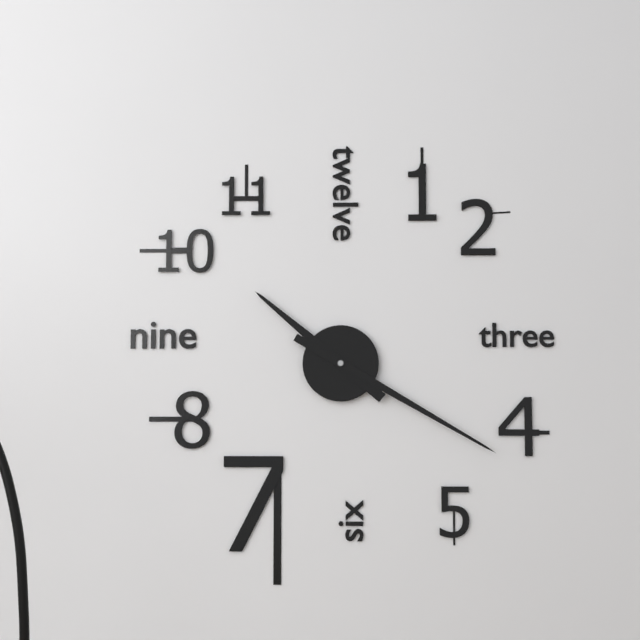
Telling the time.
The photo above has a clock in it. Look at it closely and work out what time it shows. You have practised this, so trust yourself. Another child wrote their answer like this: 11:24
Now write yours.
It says 10:20
